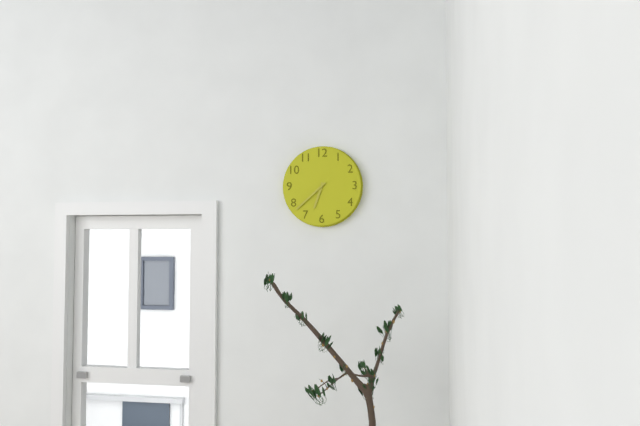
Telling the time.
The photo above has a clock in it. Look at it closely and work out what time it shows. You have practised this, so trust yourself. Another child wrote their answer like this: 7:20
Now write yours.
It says 6:38
